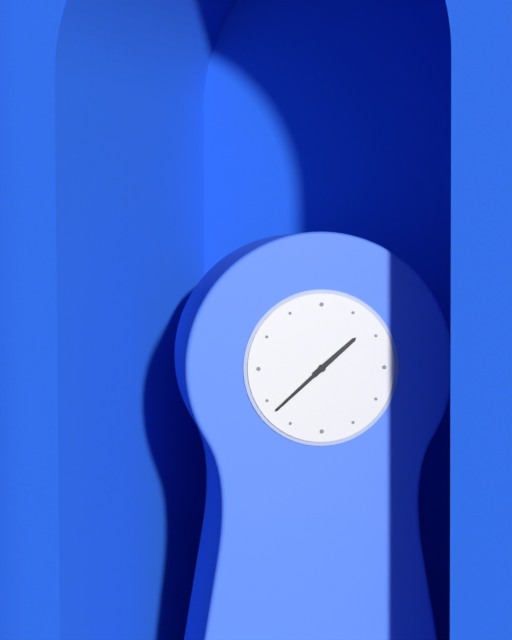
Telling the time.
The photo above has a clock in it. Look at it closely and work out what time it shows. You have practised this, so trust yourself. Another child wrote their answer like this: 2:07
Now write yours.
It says 1:38
